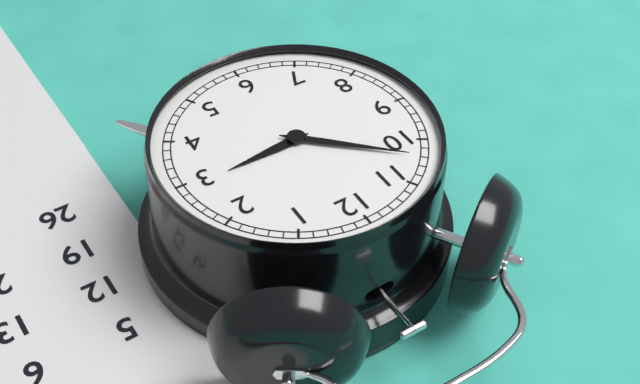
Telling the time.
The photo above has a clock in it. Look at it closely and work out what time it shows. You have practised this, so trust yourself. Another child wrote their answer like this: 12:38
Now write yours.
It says 2:52
